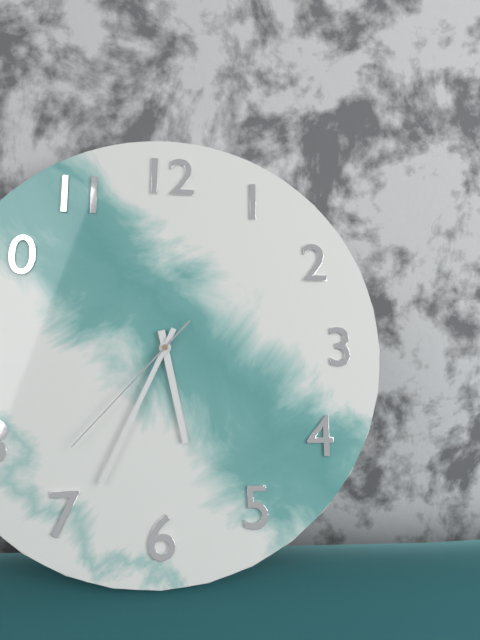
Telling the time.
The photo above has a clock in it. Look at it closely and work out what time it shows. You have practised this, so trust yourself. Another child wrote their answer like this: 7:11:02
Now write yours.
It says 5:34:37
